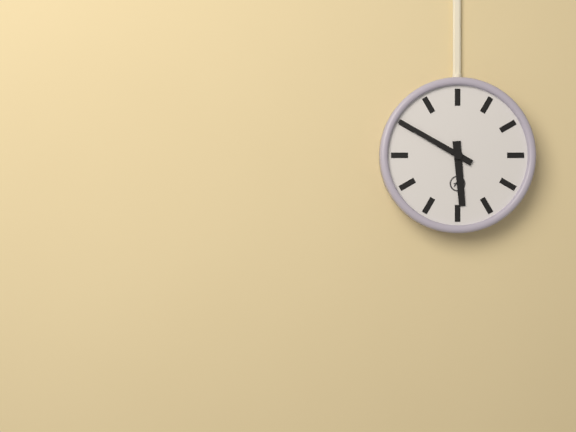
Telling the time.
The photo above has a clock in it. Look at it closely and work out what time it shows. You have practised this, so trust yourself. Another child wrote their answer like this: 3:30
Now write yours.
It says 5:50
